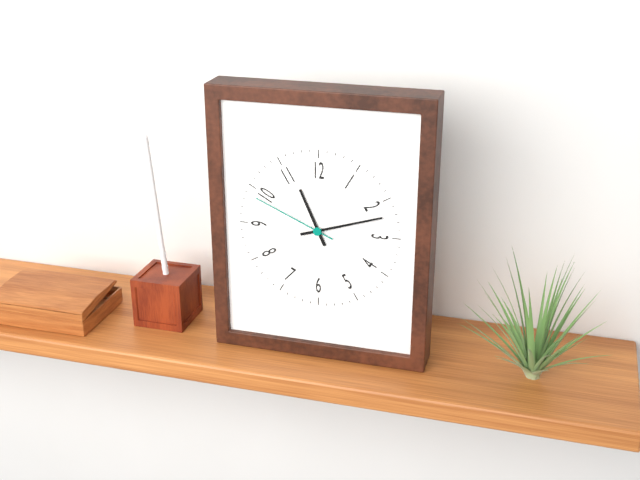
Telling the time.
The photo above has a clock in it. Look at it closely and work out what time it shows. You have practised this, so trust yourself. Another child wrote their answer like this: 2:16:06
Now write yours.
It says 11:12:49
